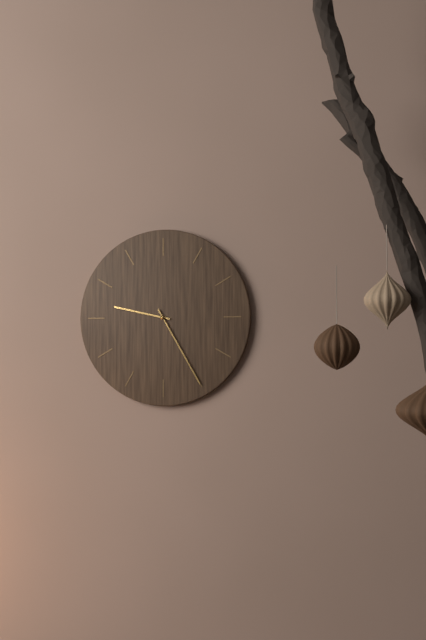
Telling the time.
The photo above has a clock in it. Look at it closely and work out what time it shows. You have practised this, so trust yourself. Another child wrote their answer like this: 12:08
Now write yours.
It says 9:25
